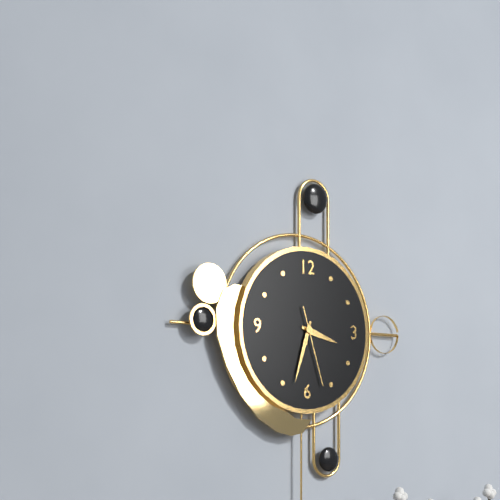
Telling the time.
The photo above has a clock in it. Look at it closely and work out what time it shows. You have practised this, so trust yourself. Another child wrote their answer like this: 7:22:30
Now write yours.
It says 3:33:27
